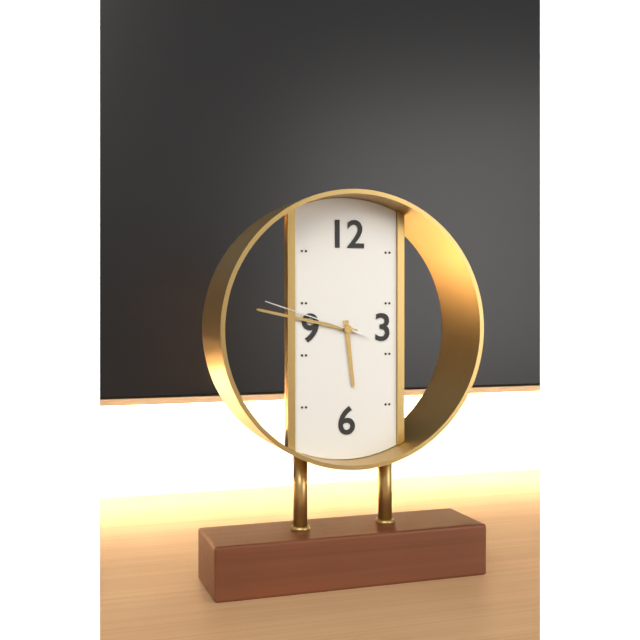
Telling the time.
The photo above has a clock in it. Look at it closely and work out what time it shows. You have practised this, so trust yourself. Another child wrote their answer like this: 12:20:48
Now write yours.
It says 5:47:48
